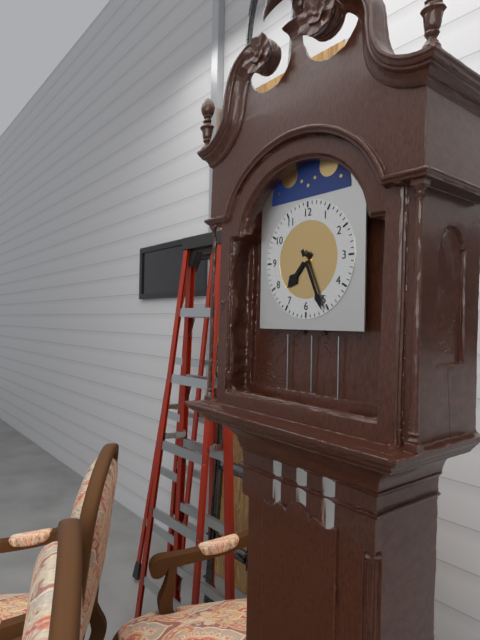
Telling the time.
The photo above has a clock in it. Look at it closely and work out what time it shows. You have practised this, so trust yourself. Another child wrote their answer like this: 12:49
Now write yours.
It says 7:26
